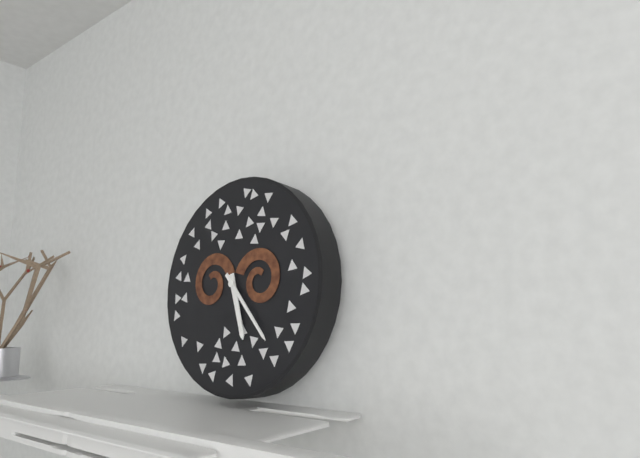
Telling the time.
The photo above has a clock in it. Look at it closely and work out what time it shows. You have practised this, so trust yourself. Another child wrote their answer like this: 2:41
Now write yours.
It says 5:23
